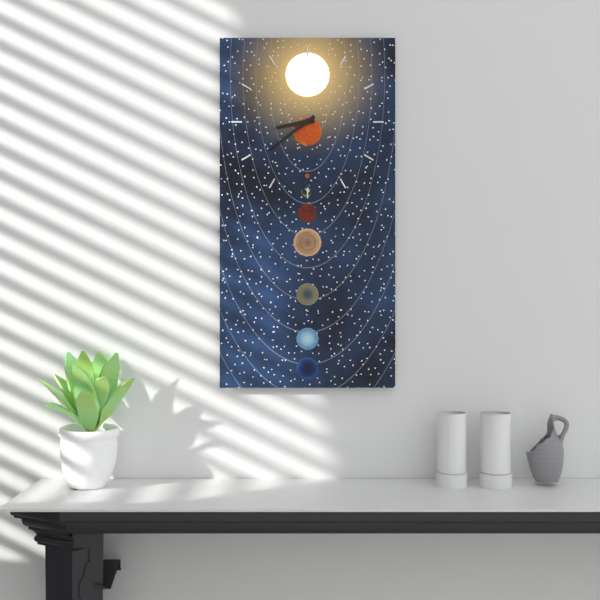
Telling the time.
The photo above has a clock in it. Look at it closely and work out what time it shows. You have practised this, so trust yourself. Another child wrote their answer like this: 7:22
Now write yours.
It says 8:39
